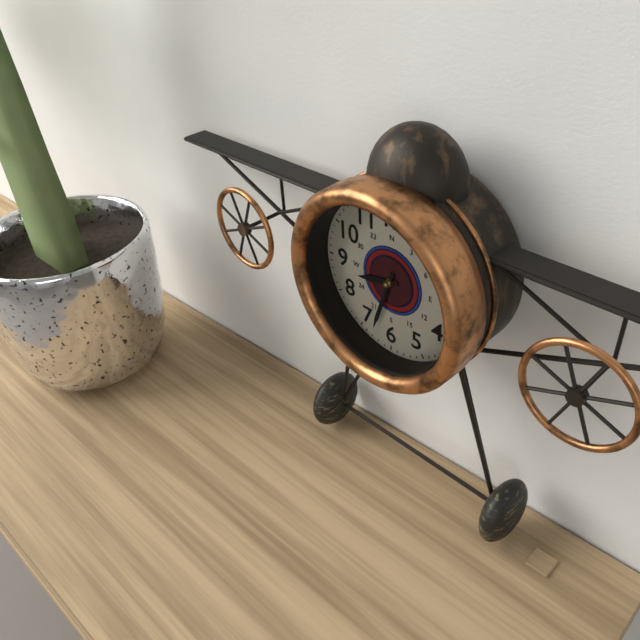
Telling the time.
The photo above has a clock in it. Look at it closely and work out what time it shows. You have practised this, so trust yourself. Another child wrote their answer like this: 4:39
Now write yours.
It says 8:33
